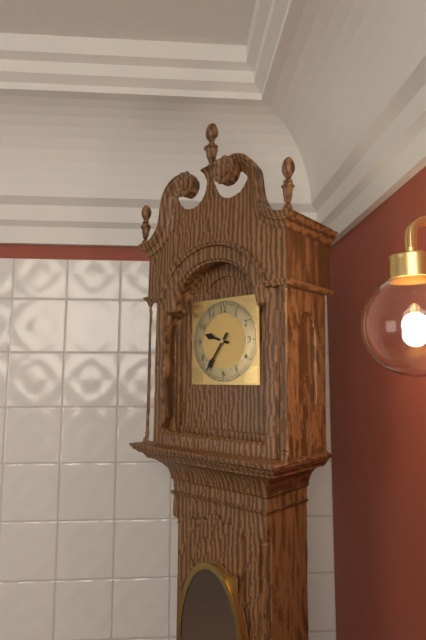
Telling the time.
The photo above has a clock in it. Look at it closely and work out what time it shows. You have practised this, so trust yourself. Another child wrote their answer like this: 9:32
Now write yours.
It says 9:36
